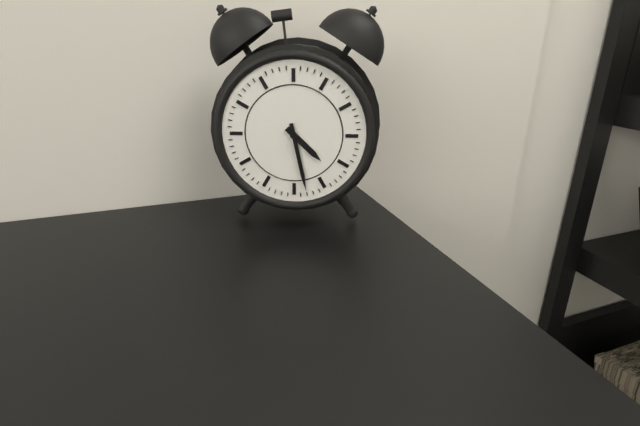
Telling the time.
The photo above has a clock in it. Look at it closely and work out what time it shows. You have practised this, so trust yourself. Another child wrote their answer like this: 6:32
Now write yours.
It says 4:28
